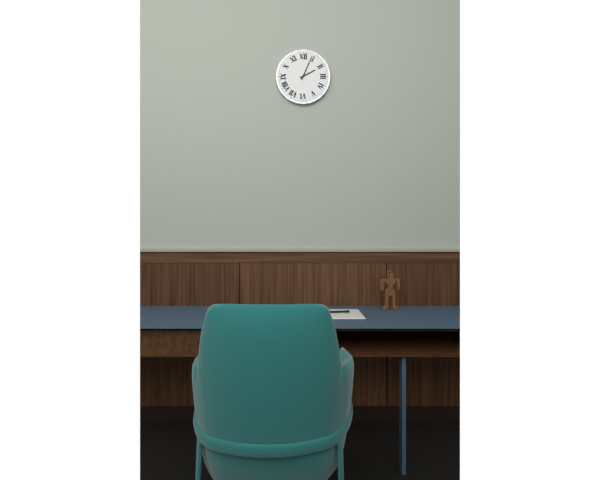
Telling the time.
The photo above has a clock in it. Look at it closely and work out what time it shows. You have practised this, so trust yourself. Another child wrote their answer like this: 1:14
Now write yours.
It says 2:04
